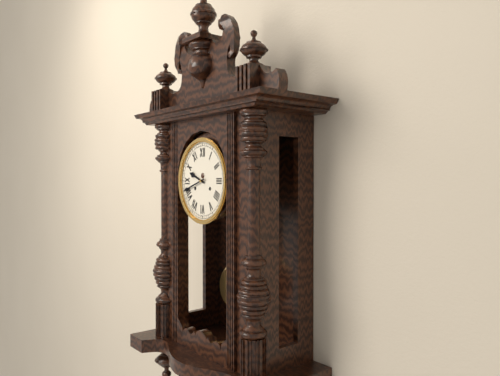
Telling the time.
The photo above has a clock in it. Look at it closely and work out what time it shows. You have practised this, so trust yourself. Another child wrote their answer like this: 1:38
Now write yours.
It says 9:42
